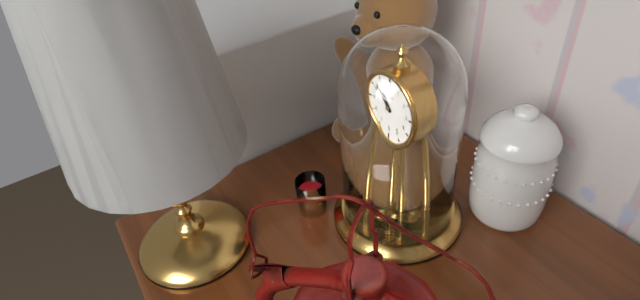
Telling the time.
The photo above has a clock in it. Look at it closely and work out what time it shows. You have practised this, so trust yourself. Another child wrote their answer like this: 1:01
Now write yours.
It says 10:53
